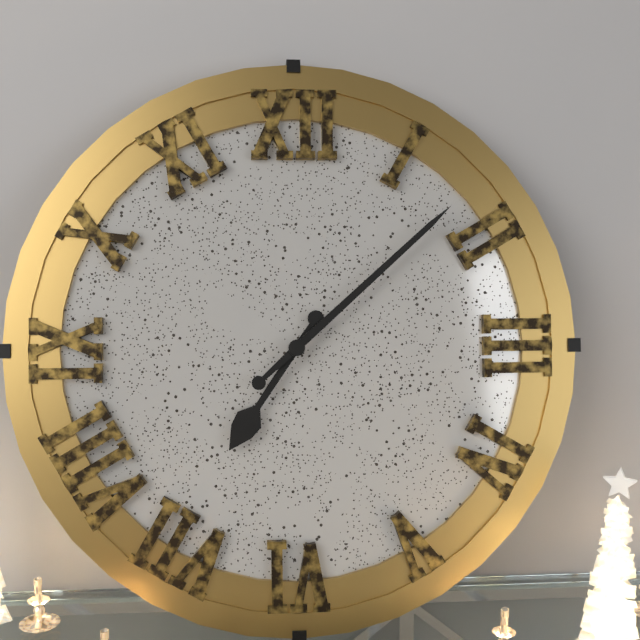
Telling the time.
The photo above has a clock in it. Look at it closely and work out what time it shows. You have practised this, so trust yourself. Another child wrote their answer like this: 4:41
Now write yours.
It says 7:08
